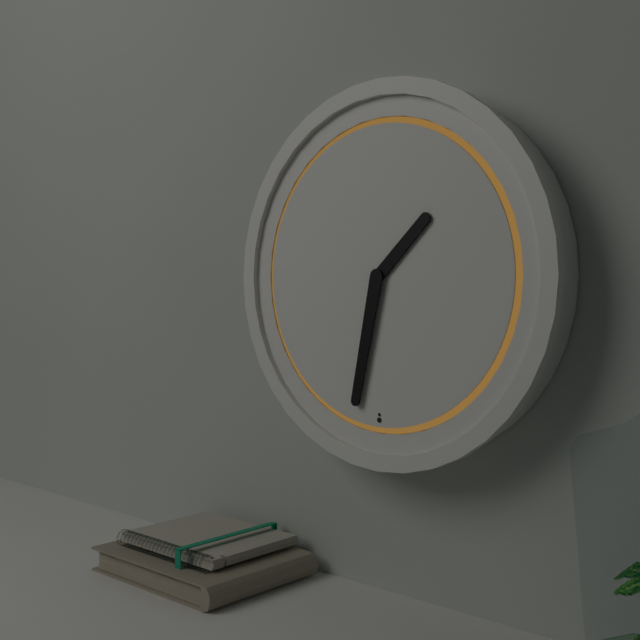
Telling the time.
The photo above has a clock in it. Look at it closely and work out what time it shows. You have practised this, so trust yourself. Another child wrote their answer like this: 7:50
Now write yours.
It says 1:32
